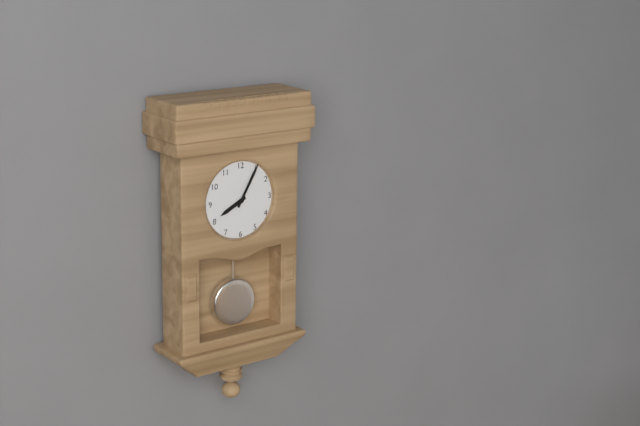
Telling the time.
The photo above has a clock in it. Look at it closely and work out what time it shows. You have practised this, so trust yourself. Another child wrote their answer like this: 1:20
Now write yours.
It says 8:05
